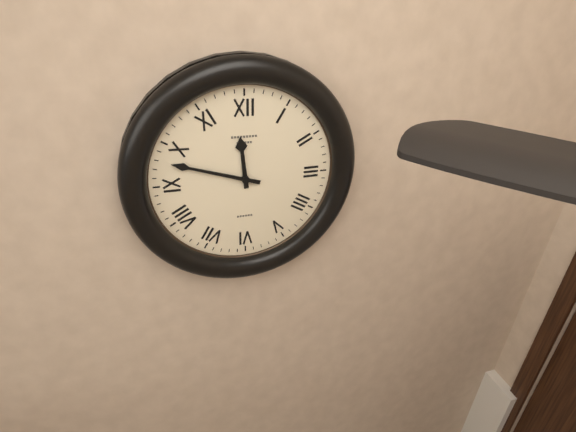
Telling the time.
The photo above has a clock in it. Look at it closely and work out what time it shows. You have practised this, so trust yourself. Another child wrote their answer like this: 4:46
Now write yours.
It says 11:48
